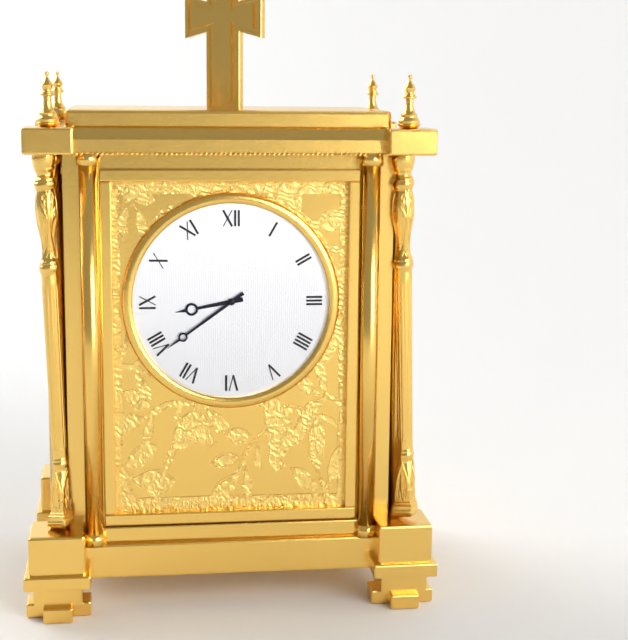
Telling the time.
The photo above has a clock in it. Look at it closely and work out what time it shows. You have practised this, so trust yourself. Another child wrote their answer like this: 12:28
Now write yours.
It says 8:39
